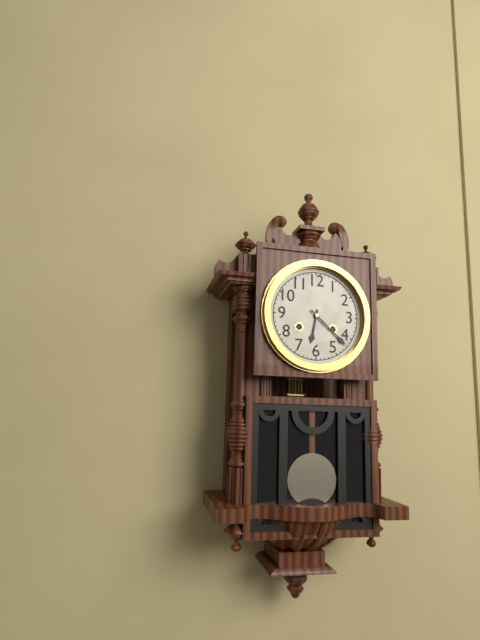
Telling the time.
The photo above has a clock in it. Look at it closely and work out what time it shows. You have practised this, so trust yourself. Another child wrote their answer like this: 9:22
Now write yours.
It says 6:22
